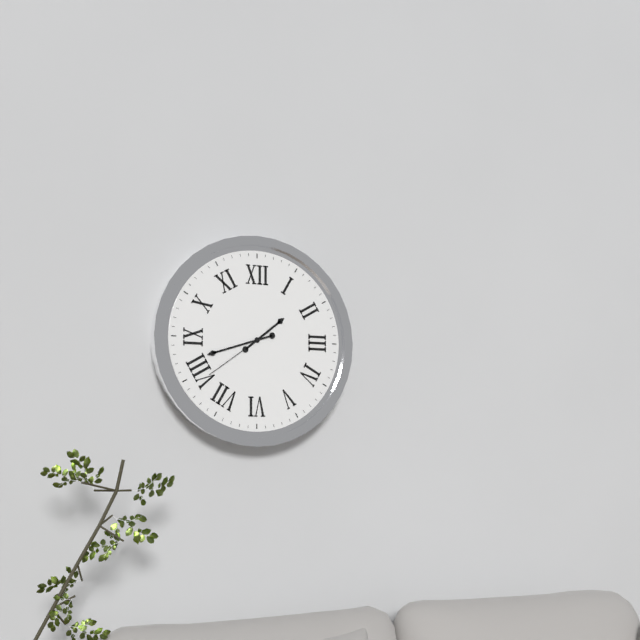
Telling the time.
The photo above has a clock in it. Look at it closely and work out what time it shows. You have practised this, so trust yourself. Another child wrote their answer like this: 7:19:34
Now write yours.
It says 1:42:39
